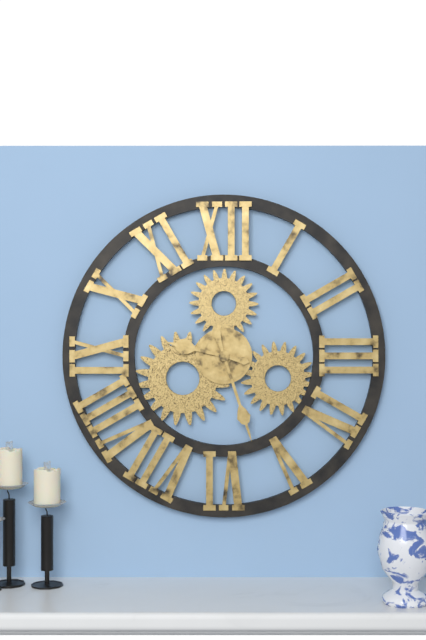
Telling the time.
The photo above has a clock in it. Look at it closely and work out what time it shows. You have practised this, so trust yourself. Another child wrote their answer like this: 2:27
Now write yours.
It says 9:27
